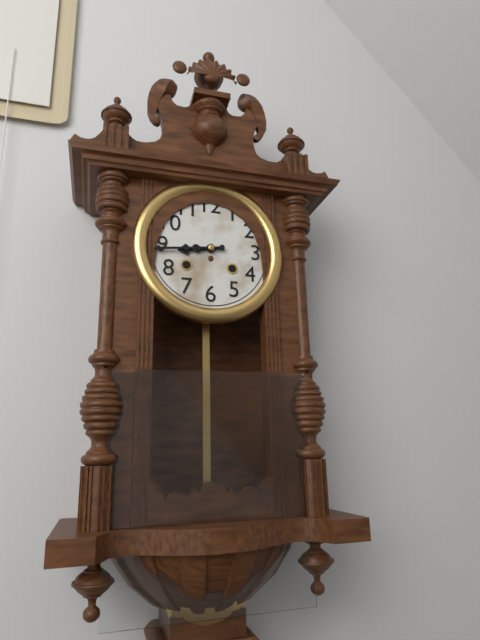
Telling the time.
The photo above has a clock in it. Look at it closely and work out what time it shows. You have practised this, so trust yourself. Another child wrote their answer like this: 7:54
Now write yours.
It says 8:44
